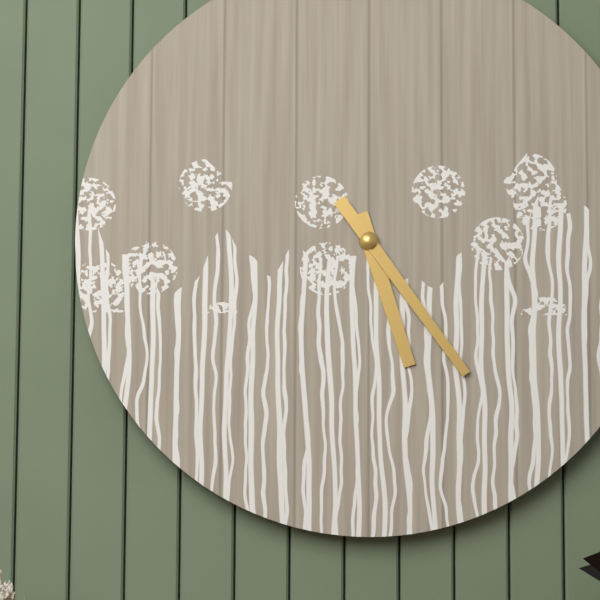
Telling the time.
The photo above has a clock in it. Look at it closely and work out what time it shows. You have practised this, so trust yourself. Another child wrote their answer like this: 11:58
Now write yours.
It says 5:24
